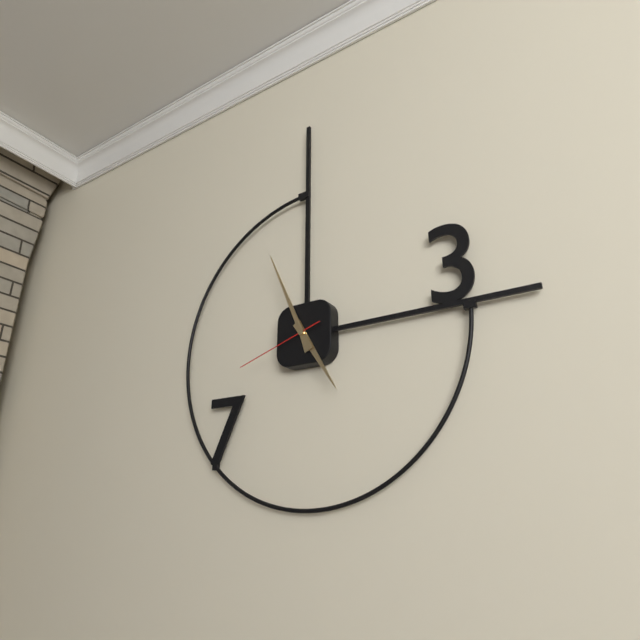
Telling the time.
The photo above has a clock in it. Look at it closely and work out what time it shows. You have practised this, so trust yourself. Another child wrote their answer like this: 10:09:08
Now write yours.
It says 4:56:42
